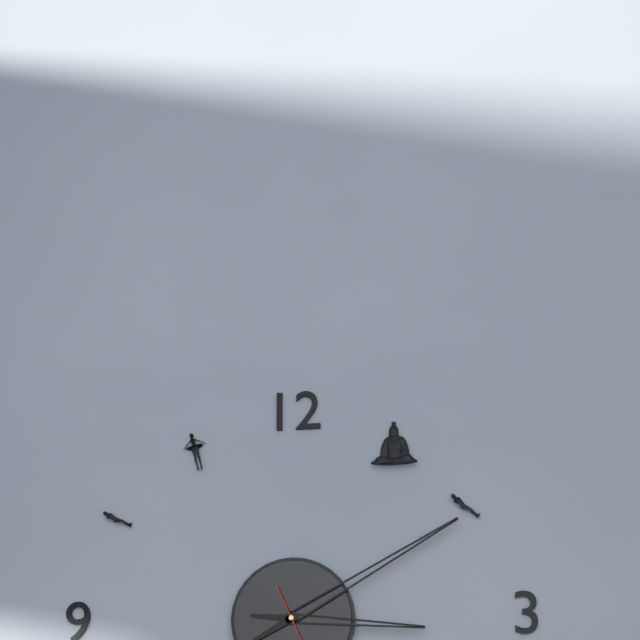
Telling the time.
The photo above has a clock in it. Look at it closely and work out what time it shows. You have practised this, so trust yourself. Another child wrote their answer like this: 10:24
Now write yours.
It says 3:10
